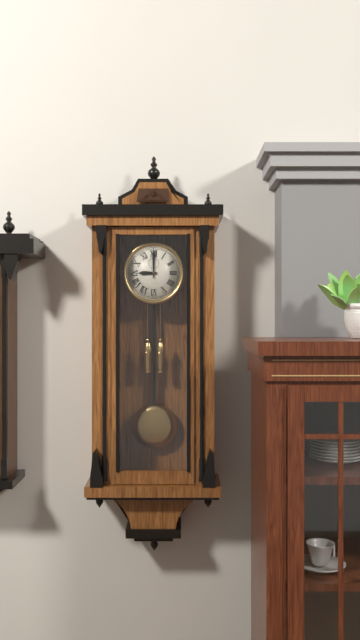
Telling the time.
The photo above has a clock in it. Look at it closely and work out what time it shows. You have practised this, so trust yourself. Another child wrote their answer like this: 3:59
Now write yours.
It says 9:00
